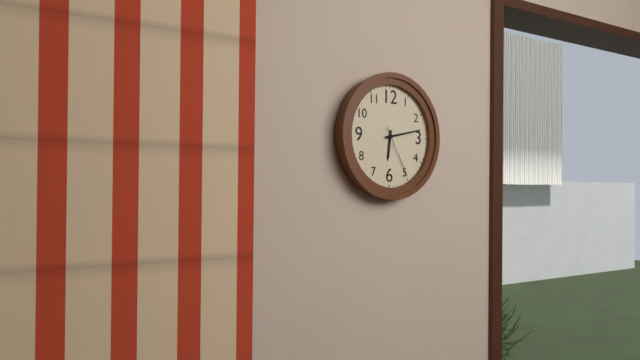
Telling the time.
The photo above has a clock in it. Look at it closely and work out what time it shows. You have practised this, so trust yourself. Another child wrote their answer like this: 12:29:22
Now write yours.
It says 6:13:25
